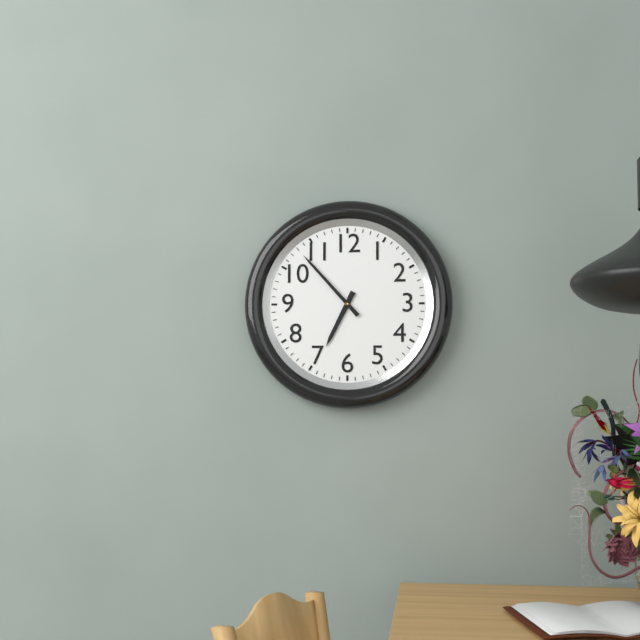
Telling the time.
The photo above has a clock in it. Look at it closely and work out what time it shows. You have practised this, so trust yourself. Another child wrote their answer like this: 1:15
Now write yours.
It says 6:53
